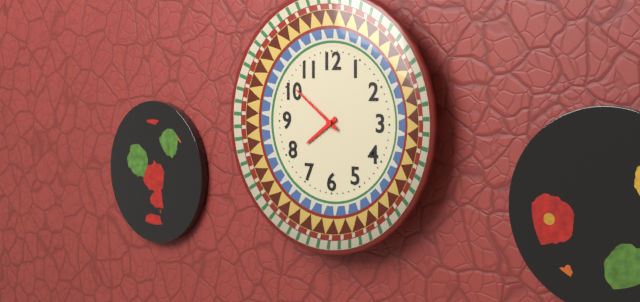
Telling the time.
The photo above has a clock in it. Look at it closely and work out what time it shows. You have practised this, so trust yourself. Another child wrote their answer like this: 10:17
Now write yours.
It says 7:51
